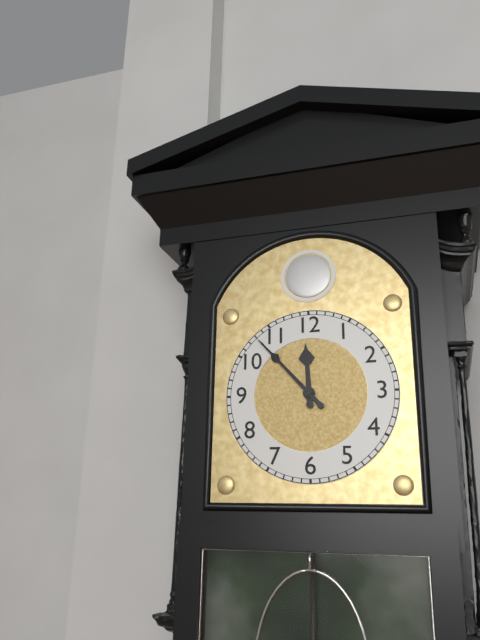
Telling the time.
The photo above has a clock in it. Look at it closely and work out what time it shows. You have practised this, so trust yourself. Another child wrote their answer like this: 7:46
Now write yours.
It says 11:53
